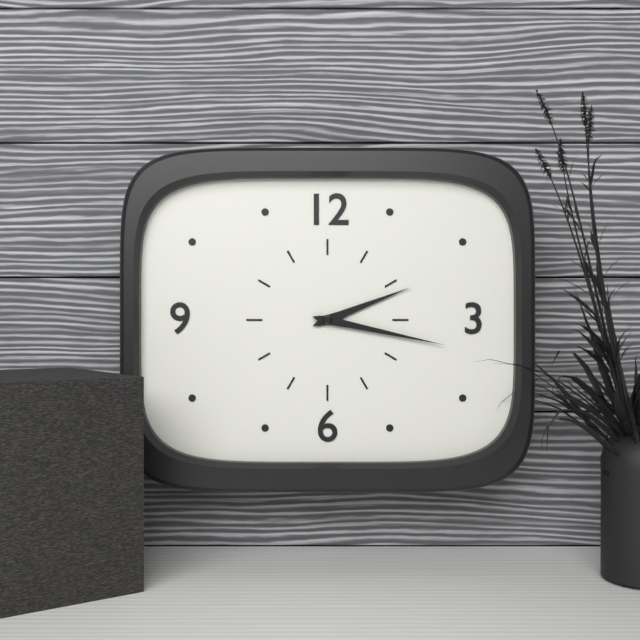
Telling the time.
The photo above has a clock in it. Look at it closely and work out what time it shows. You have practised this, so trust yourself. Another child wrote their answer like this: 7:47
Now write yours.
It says 2:17
